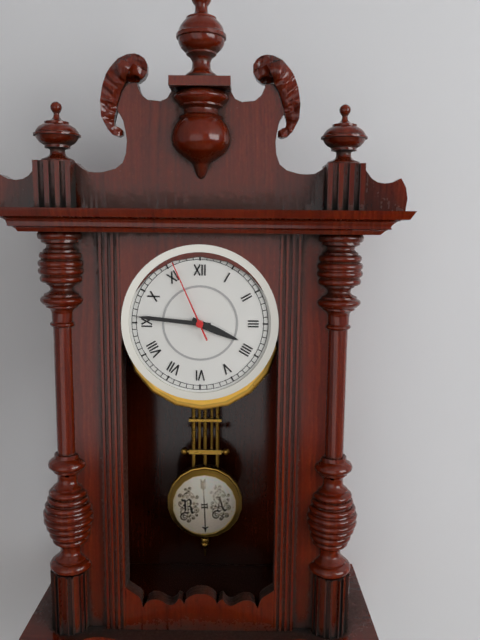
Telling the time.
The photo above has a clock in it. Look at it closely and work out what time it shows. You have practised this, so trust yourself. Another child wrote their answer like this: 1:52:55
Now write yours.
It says 3:46:56
